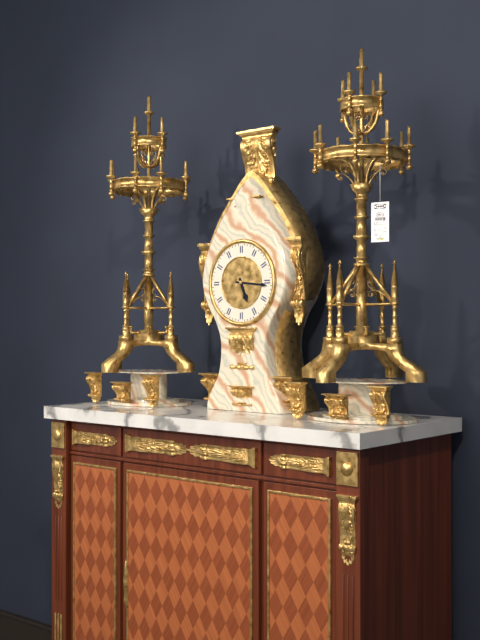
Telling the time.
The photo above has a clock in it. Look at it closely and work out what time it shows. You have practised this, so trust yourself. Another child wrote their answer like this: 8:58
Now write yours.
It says 5:16
